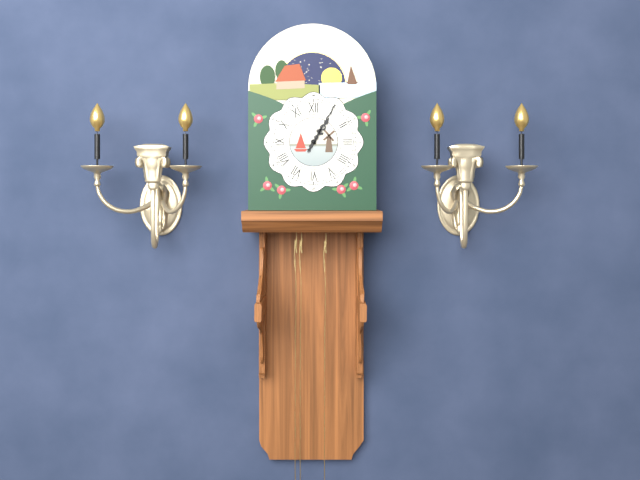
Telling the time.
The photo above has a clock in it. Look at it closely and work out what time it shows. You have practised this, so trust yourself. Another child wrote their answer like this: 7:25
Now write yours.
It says 1:05
